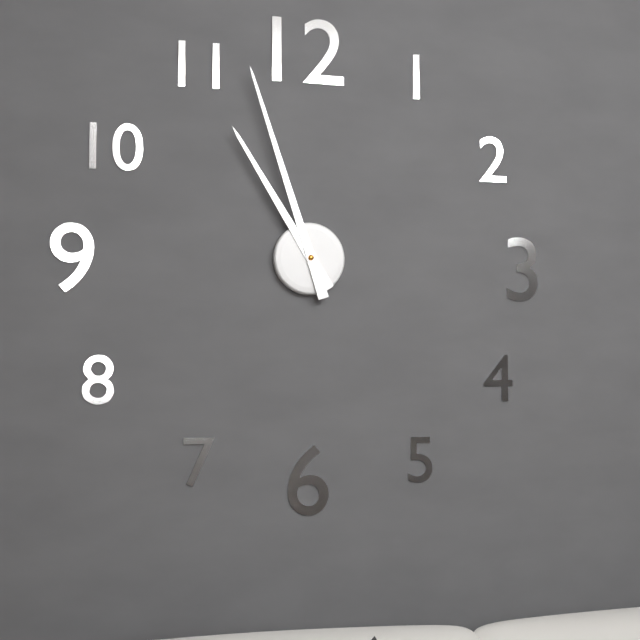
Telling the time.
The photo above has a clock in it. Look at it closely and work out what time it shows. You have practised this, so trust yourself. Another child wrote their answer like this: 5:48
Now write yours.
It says 10:57
